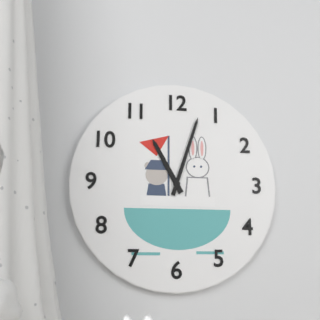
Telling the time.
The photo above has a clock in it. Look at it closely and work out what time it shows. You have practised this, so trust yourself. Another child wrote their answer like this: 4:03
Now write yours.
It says 11:03
